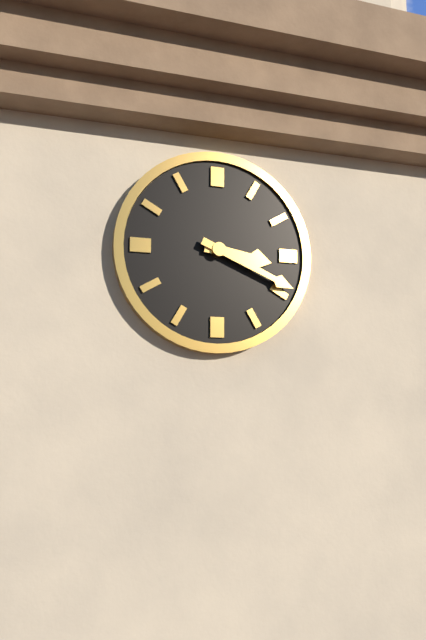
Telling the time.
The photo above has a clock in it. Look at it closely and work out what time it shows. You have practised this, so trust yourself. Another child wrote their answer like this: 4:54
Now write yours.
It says 3:19
